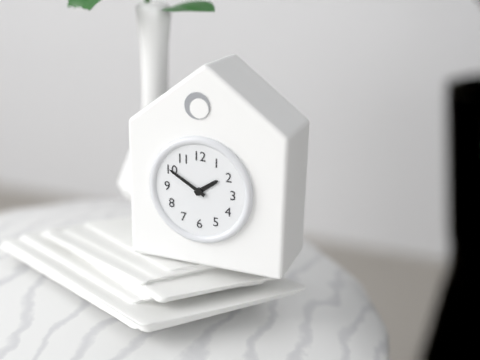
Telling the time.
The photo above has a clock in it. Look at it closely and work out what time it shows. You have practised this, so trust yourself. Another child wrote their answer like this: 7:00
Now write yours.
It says 1:50
